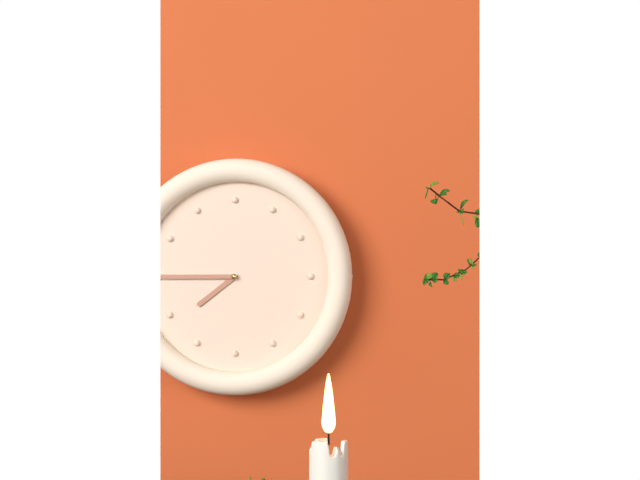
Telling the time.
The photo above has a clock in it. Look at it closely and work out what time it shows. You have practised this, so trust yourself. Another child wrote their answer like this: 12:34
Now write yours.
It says 7:45
